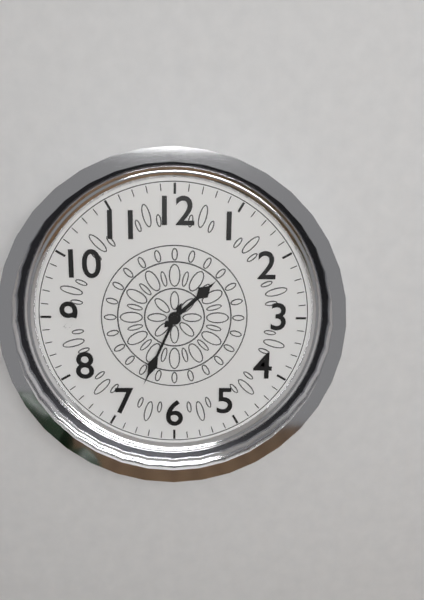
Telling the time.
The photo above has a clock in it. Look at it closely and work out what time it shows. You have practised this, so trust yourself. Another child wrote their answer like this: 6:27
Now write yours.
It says 1:34
